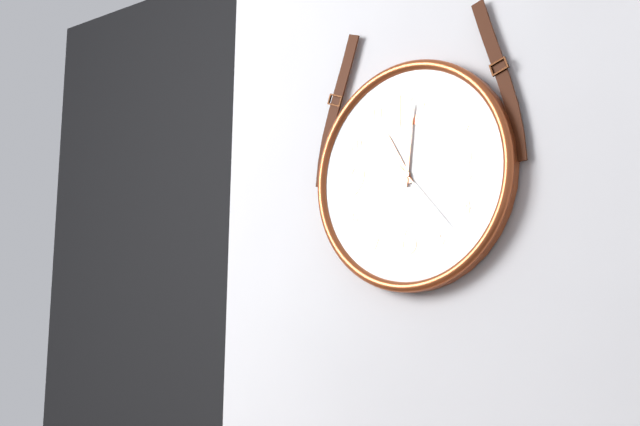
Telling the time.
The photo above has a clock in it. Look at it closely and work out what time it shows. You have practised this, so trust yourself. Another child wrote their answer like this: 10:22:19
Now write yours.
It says 11:01:23
